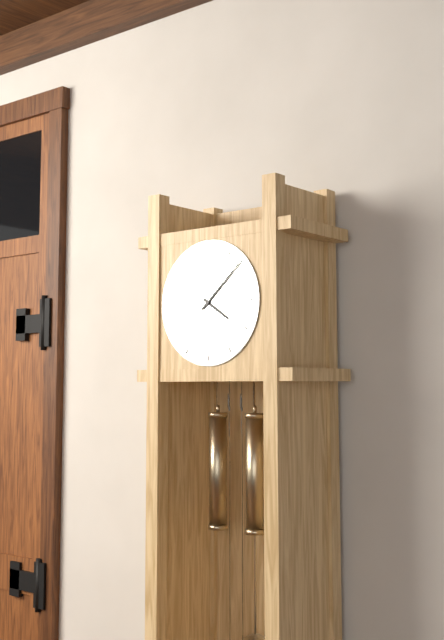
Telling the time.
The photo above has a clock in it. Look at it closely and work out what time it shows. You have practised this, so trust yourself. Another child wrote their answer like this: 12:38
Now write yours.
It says 4:08
